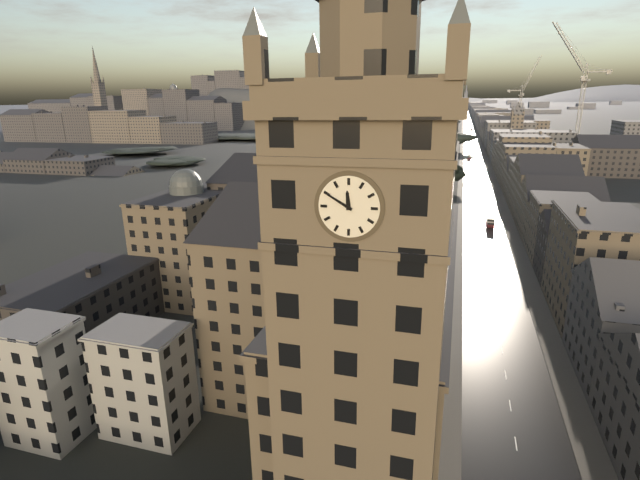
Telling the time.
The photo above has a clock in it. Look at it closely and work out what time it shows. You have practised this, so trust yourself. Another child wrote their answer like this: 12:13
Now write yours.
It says 11:50
